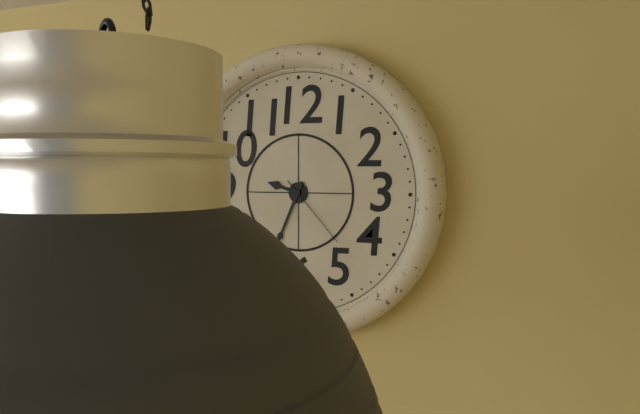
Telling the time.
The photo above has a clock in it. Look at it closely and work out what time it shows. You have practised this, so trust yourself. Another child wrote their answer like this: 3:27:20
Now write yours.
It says 9:34:23
